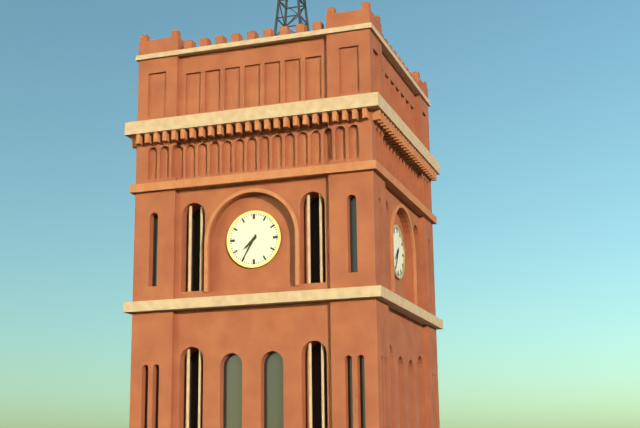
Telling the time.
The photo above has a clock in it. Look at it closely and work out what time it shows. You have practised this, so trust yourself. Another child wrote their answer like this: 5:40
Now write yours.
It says 7:35
